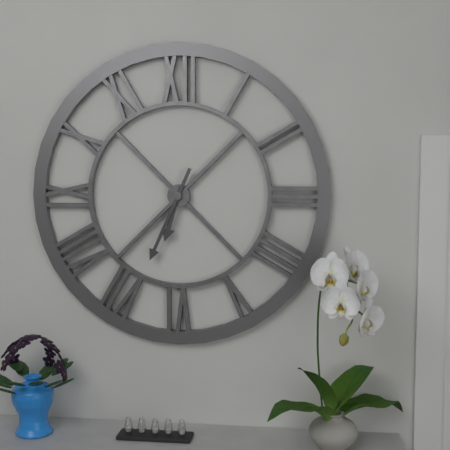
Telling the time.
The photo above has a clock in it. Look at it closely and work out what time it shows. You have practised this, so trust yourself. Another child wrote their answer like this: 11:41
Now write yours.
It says 6:34
